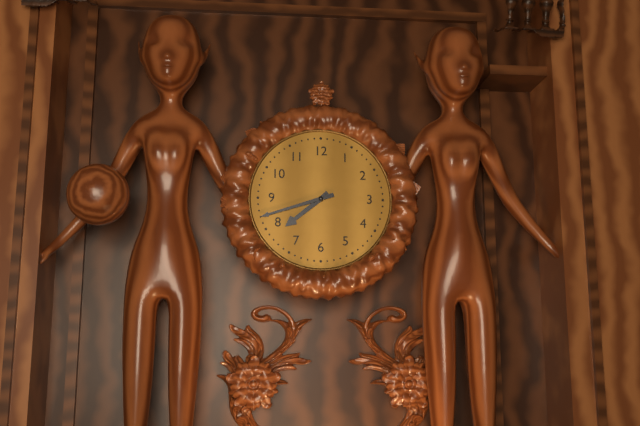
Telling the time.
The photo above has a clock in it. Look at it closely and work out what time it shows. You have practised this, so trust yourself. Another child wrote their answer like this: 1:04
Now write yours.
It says 7:42
